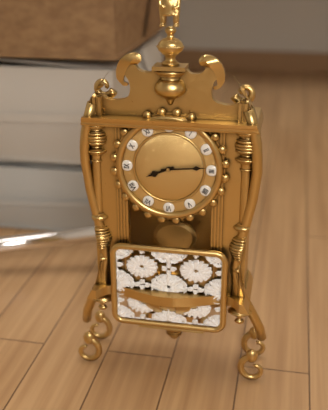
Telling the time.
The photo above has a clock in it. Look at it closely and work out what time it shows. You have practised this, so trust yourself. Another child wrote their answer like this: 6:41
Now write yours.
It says 8:14
